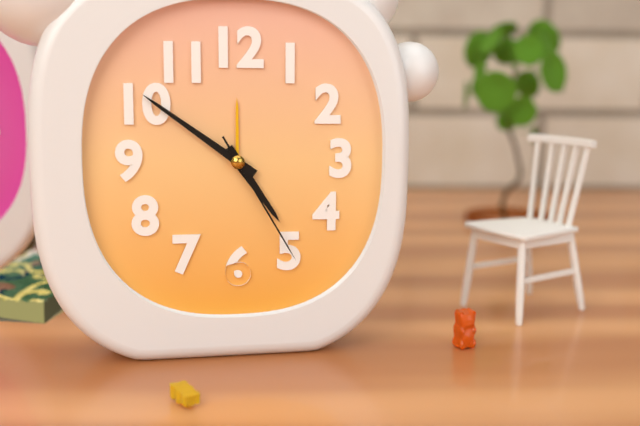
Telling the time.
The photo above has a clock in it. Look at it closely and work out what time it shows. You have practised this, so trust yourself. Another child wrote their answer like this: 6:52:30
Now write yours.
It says 4:51:25
